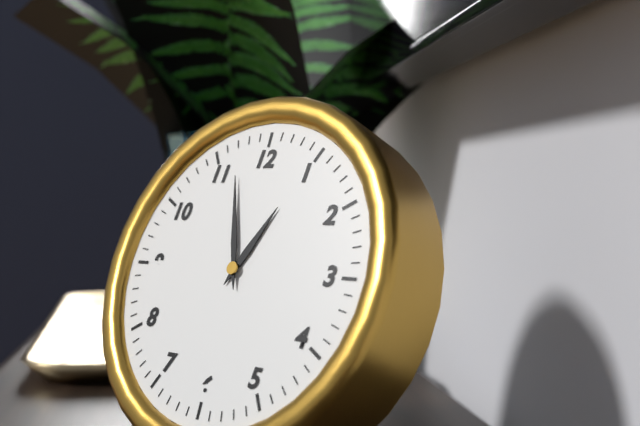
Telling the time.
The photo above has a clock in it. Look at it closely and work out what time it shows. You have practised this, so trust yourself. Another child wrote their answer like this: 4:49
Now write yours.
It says 12:57
